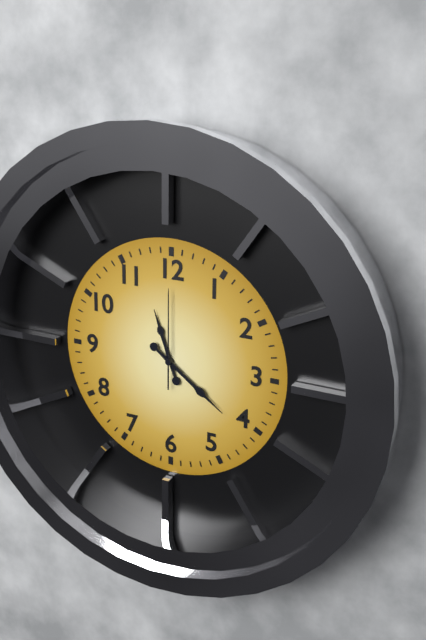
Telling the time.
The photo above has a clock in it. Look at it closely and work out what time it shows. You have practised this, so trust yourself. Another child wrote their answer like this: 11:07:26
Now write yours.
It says 11:21:00
